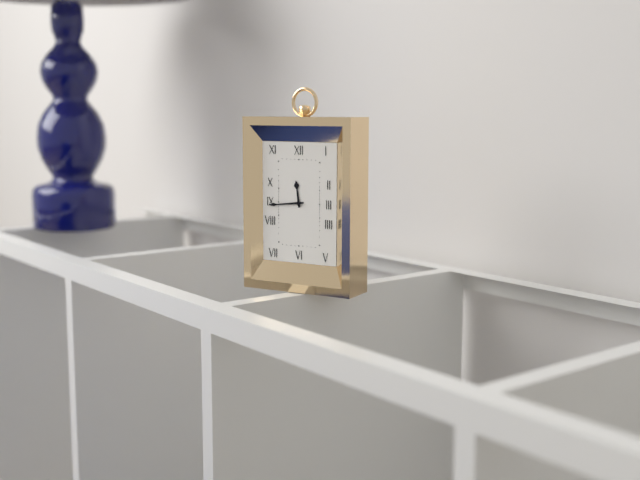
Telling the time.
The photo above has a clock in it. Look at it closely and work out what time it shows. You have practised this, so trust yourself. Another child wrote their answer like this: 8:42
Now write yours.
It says 11:44
